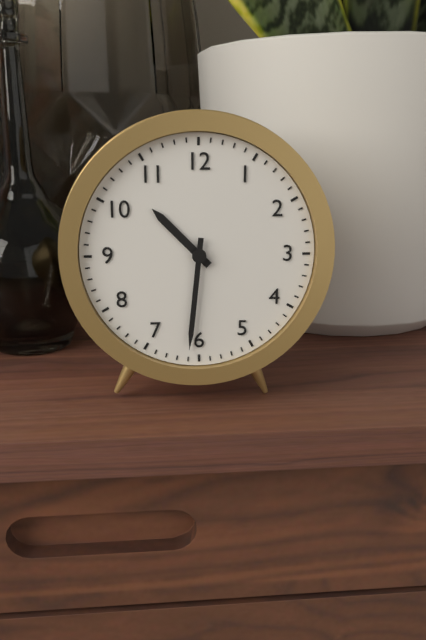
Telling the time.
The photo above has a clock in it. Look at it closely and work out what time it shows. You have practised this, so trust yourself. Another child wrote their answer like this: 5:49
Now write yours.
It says 10:31
